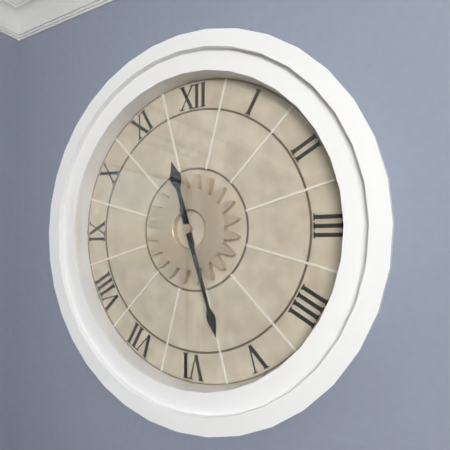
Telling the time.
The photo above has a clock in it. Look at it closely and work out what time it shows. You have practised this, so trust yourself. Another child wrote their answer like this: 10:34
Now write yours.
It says 11:27
